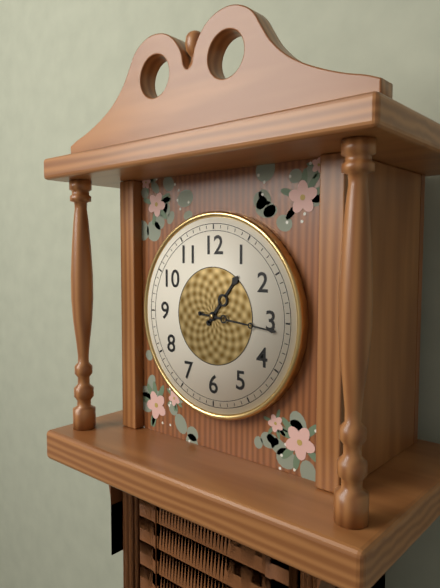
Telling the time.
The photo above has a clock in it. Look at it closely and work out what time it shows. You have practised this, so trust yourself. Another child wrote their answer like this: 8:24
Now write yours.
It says 1:16
